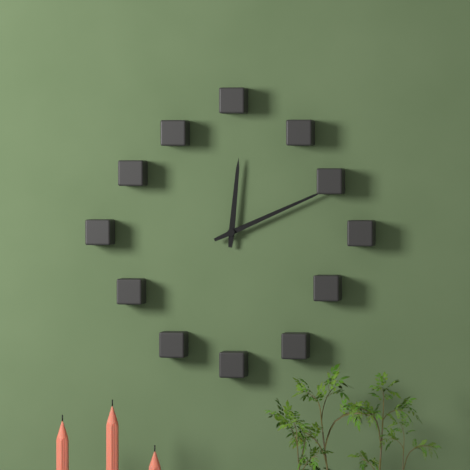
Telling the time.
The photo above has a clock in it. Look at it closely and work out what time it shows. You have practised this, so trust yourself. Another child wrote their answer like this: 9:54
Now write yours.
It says 12:11
